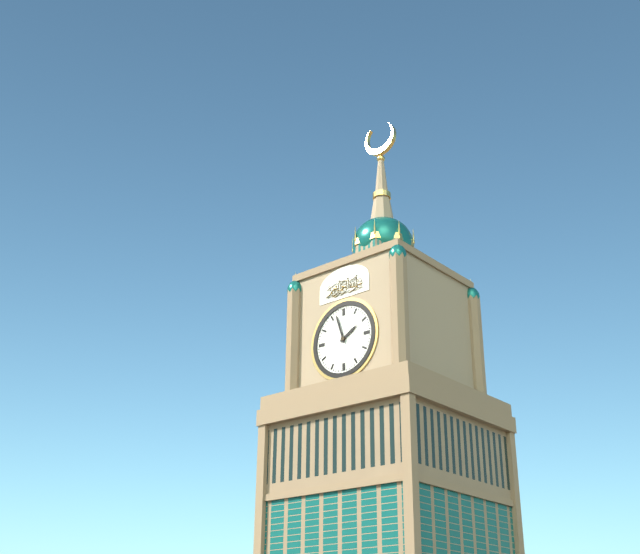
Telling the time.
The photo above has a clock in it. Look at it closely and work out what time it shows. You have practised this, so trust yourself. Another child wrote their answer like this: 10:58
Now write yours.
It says 1:57
